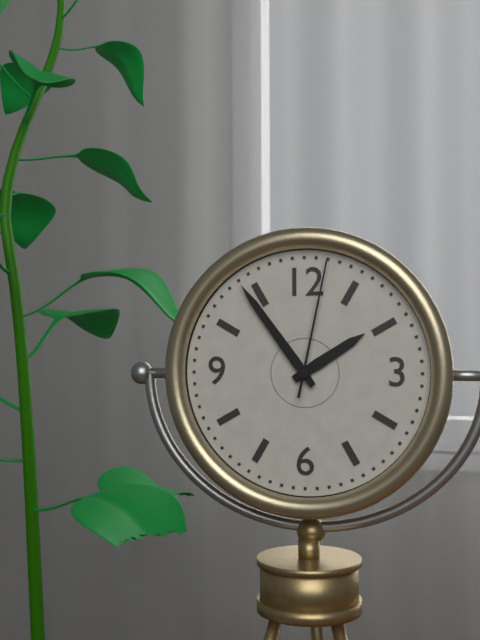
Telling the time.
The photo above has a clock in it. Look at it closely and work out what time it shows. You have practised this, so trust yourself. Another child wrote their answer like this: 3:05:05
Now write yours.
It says 1:54:02
